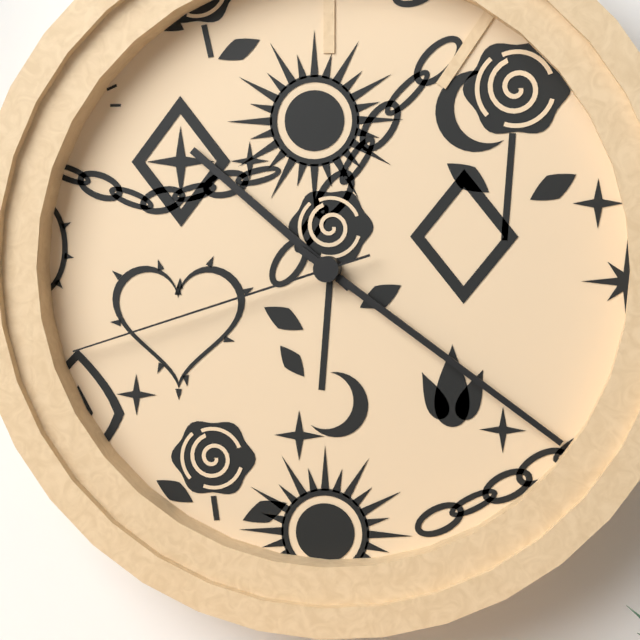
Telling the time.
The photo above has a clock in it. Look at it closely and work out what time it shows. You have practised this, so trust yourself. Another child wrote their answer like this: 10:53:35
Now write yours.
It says 10:21:42
